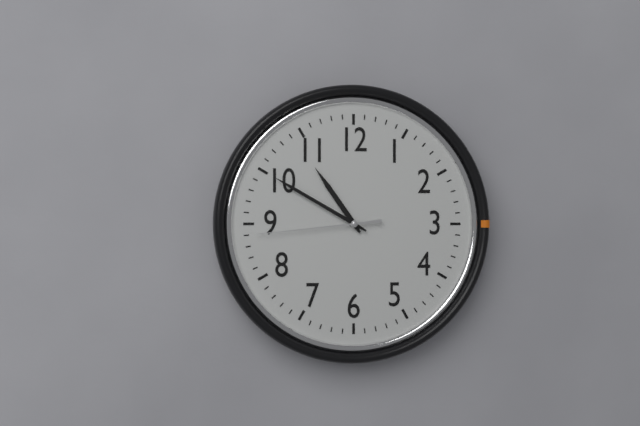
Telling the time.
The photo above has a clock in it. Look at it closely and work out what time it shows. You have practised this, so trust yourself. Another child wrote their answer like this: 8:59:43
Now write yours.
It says 10:50:44
